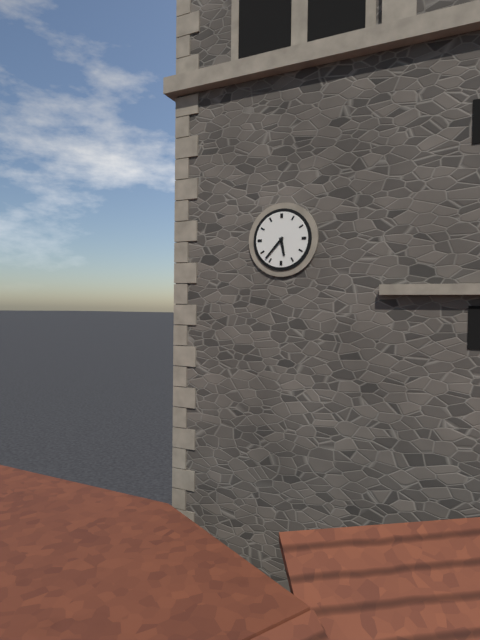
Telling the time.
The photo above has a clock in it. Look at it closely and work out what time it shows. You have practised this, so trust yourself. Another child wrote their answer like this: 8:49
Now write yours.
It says 5:37
